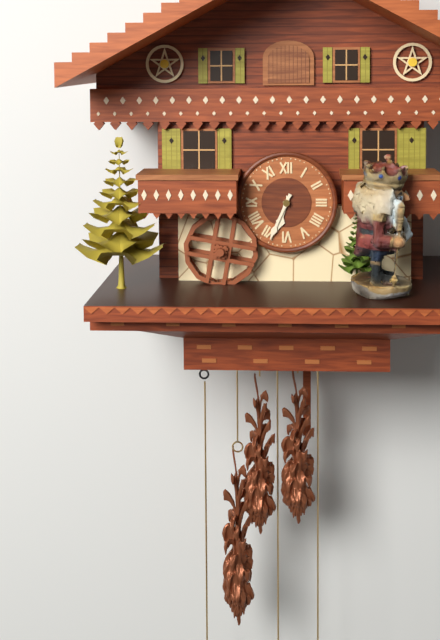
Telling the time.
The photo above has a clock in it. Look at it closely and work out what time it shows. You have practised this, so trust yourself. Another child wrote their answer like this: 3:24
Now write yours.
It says 6:34
